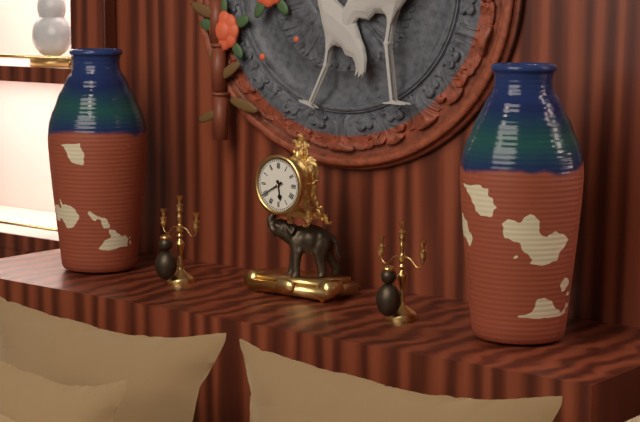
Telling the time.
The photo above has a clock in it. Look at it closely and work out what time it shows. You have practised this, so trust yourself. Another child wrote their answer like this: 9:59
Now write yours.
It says 5:40
